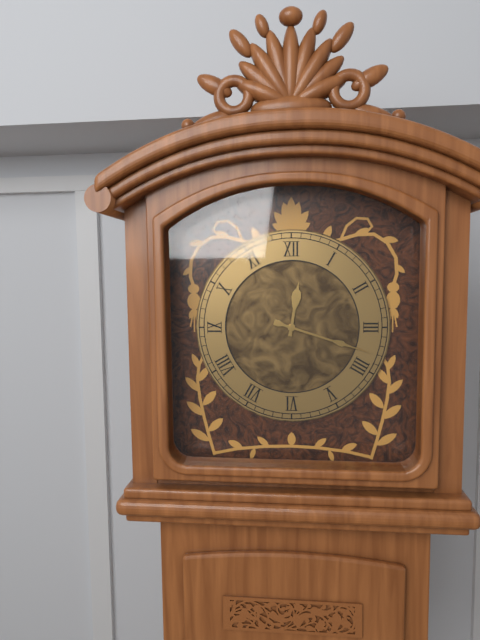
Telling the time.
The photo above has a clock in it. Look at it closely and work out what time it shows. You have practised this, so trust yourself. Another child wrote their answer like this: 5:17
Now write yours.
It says 12:18
